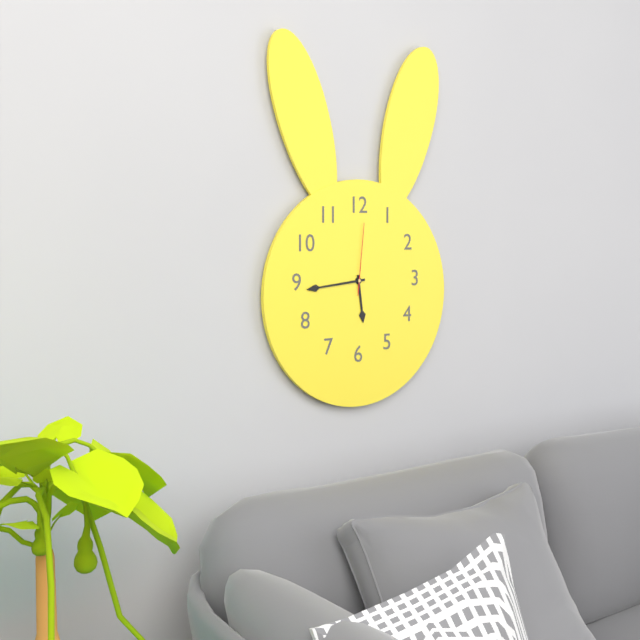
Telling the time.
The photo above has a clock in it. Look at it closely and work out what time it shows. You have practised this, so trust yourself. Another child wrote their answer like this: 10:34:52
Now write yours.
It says 5:44:01
